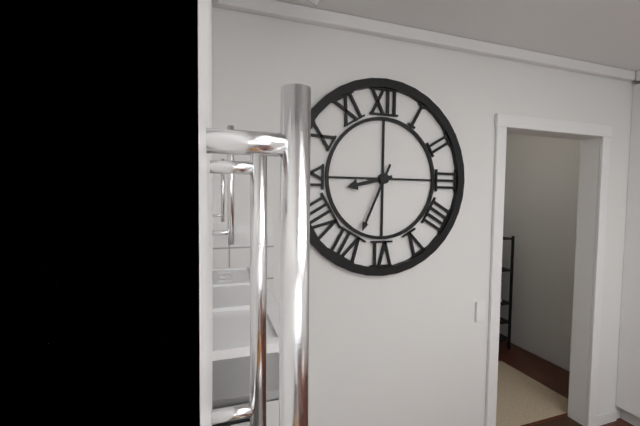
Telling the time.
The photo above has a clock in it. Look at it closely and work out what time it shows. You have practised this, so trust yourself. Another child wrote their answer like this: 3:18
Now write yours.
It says 8:34
